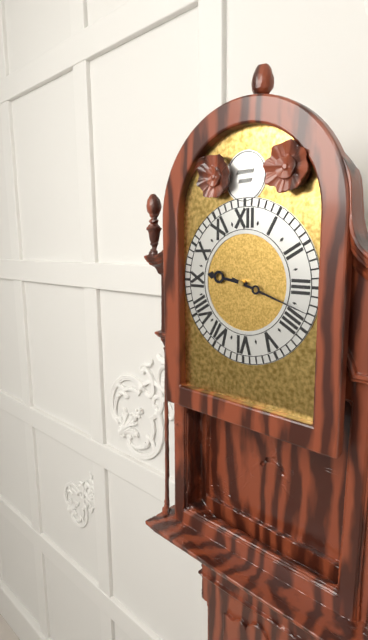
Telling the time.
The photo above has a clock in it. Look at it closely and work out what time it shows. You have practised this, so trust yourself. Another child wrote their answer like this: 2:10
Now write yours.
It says 9:18
